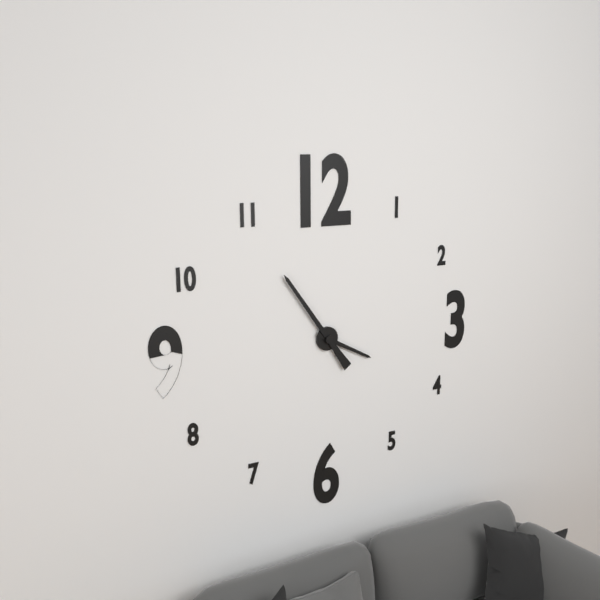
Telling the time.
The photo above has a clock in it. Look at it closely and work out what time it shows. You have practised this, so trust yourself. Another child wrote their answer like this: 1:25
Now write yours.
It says 3:54
